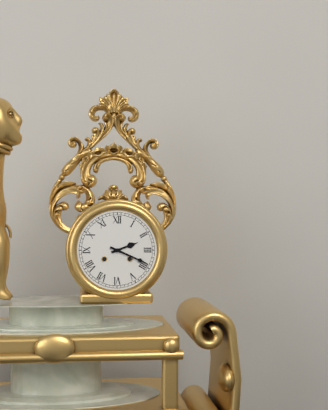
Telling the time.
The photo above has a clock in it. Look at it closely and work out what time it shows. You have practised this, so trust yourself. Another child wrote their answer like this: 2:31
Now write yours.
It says 2:19
